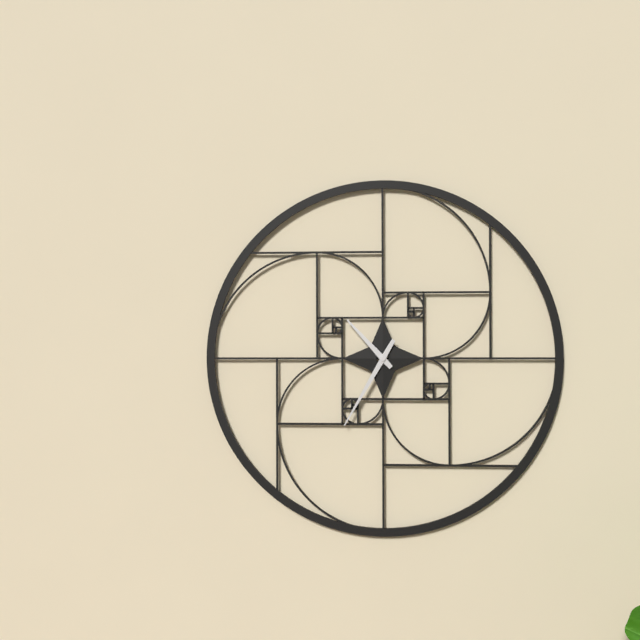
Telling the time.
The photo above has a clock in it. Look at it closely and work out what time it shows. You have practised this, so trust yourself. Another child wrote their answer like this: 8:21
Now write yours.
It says 10:35
